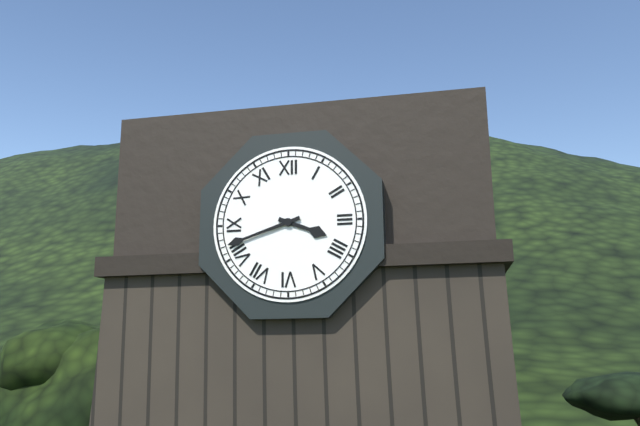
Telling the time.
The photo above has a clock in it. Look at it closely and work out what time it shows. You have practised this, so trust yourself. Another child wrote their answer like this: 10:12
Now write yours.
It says 3:42
